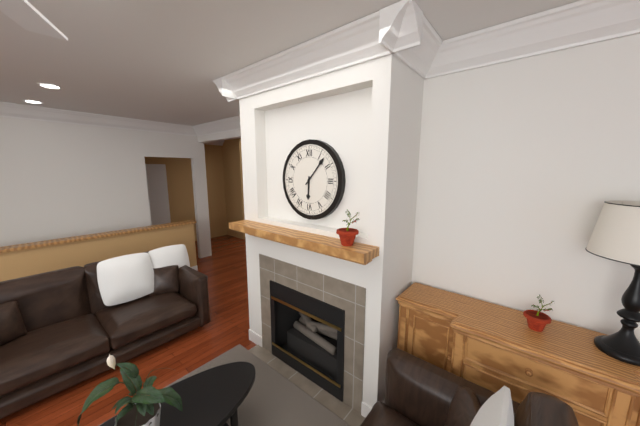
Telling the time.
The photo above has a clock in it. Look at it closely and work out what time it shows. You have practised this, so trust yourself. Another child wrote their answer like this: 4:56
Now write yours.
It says 6:07
